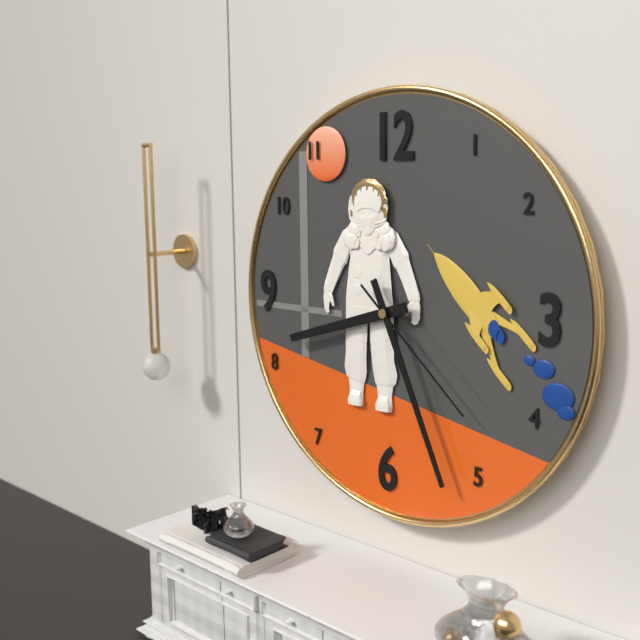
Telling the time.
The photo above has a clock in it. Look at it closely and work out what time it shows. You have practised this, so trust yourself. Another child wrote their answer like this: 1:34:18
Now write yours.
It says 8:26:22
